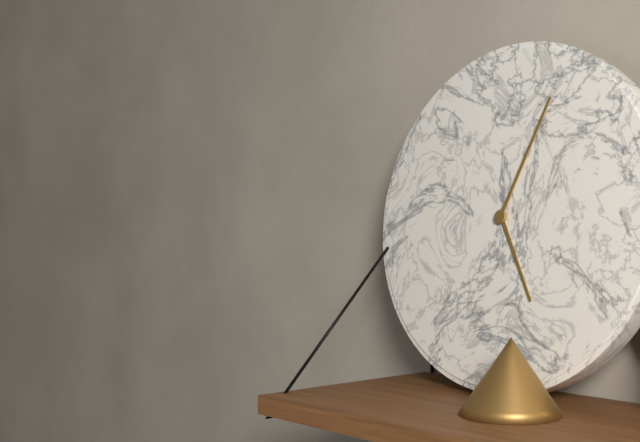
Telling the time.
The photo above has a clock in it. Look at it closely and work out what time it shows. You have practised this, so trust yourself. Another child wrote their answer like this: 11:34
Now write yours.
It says 5:04
